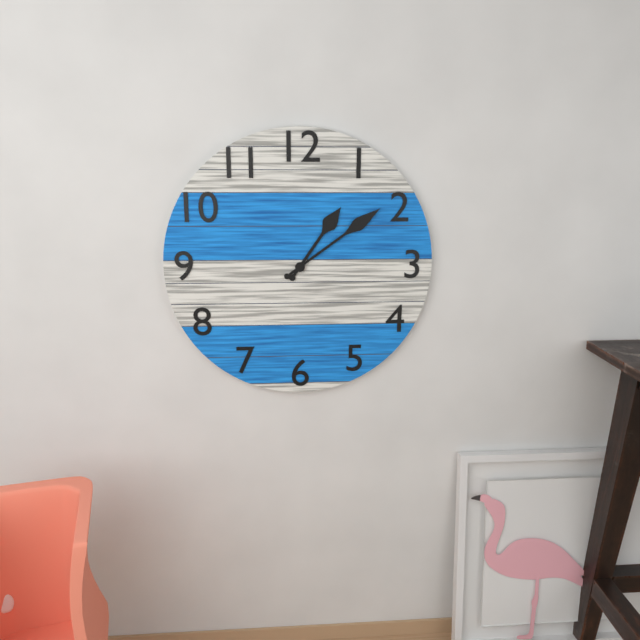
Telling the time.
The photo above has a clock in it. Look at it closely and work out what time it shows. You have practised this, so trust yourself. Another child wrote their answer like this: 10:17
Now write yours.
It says 1:09
